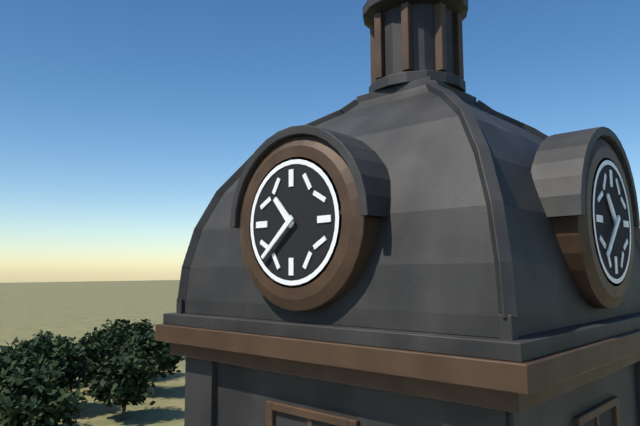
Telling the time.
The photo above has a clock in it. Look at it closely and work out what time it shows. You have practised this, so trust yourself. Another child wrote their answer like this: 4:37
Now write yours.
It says 10:38
